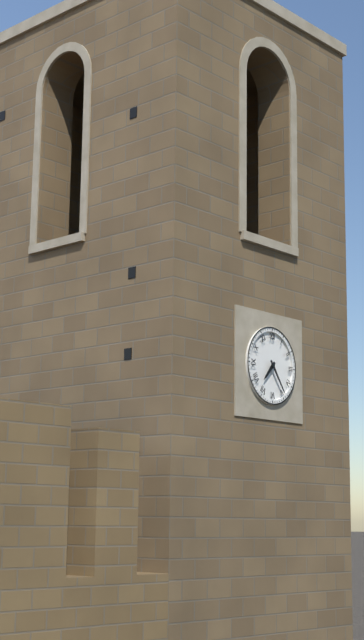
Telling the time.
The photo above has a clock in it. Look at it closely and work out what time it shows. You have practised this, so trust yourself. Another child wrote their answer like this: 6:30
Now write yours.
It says 7:24
